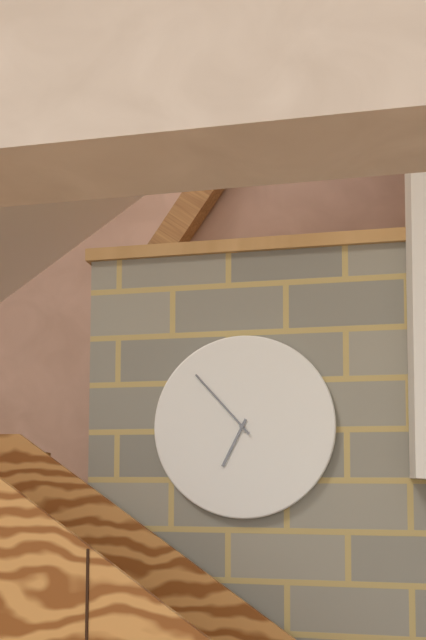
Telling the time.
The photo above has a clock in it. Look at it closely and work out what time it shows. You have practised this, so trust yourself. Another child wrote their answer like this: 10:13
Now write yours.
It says 6:53
